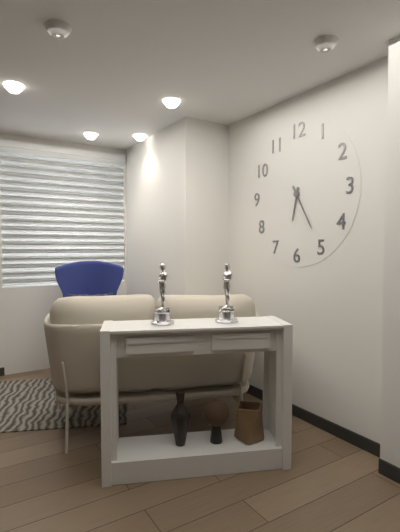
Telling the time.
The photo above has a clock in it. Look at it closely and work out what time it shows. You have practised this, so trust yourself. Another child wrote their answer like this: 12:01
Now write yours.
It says 6:25
